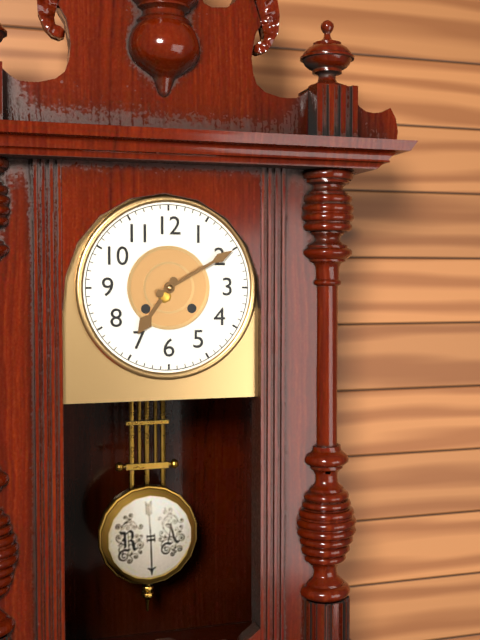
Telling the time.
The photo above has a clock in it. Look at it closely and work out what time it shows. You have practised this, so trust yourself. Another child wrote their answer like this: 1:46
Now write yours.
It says 7:10
